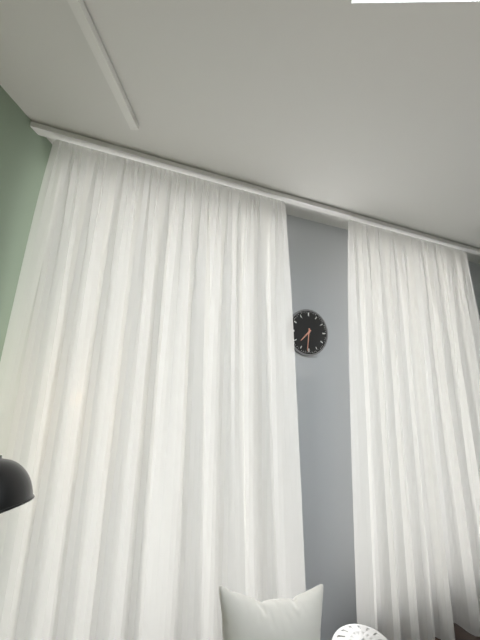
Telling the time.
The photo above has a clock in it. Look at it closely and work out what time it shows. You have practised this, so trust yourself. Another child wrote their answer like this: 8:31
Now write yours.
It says 7:31
